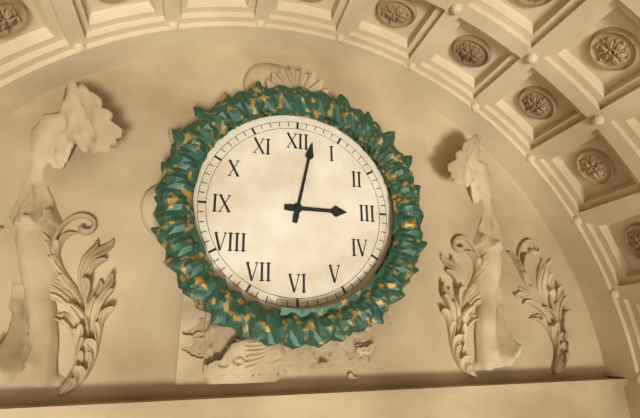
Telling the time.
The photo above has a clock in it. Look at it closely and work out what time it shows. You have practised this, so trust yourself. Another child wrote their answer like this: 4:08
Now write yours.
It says 3:02
